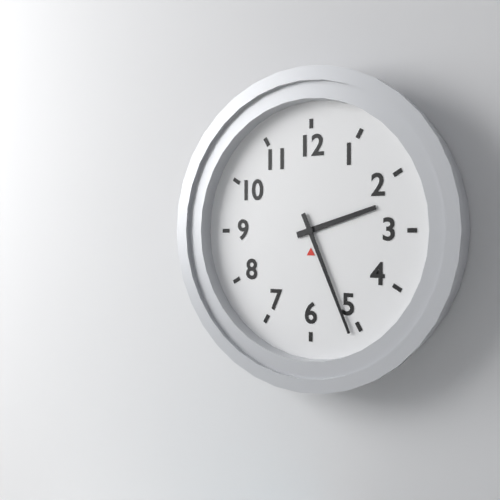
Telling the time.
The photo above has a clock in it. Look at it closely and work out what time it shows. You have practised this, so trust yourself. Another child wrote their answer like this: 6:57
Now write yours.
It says 2:26
